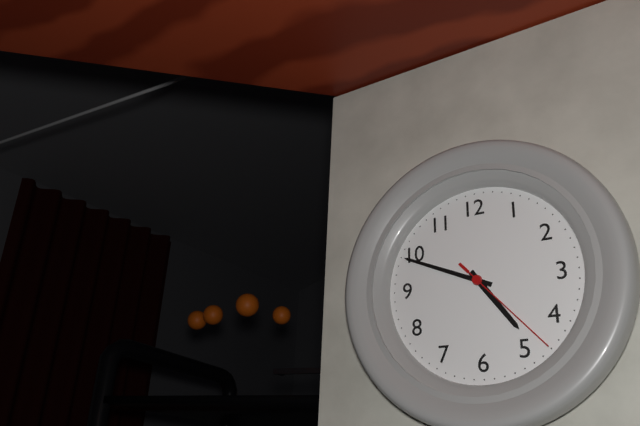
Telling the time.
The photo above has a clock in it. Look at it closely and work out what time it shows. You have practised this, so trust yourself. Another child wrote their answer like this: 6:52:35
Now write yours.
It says 4:49:23
